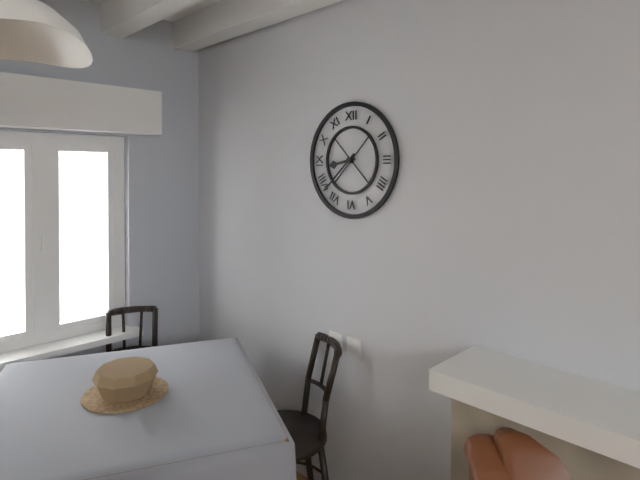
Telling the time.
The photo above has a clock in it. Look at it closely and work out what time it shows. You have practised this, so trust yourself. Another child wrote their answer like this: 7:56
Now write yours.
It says 8:38
